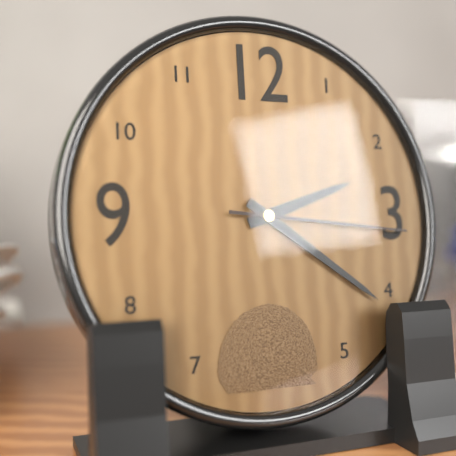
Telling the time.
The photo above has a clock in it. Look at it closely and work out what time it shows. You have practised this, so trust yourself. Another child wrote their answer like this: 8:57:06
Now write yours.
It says 2:21:16
